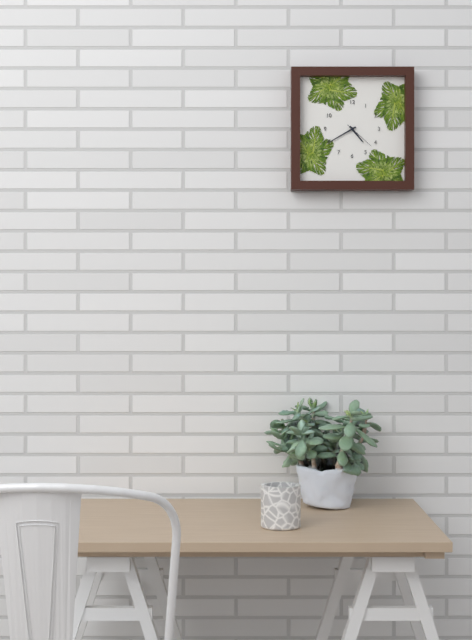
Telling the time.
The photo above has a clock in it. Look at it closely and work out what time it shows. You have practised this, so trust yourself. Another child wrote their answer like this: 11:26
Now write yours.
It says 4:40
